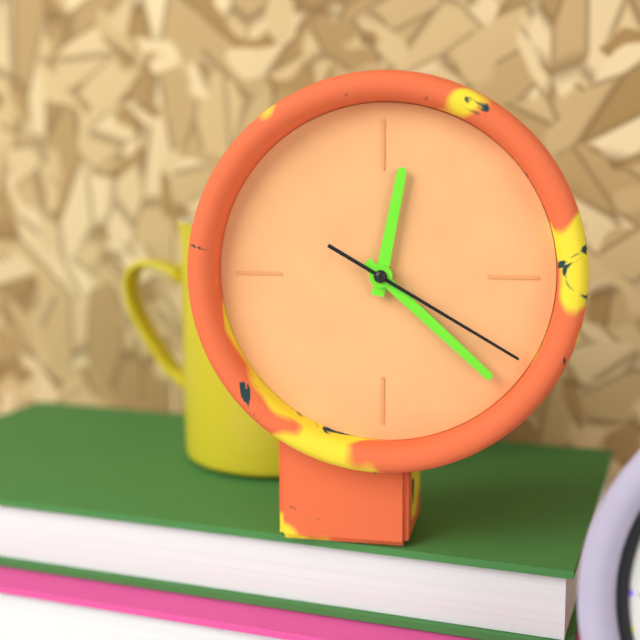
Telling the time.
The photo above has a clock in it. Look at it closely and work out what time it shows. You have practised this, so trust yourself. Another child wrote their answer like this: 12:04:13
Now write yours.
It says 12:22:20
